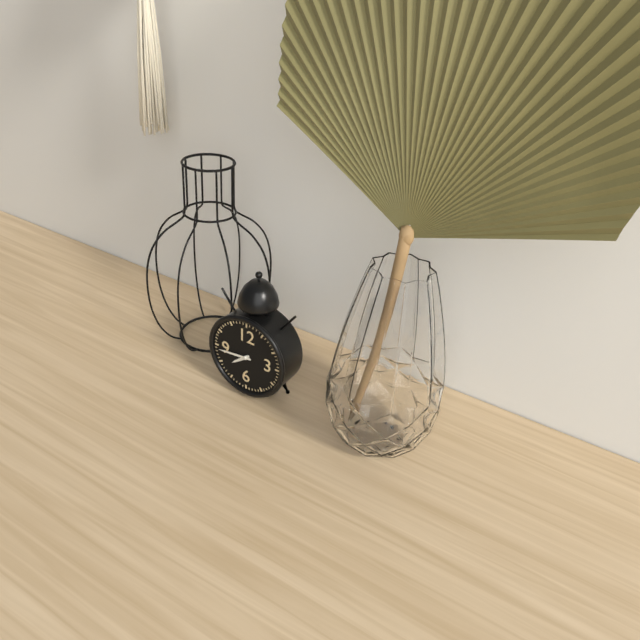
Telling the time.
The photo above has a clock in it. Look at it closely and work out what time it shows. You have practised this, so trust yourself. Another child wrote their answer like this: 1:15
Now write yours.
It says 7:44
